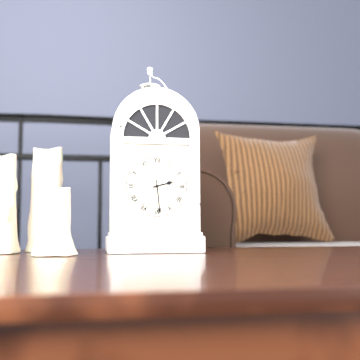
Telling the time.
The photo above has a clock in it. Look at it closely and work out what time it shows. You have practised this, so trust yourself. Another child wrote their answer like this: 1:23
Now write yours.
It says 2:29
